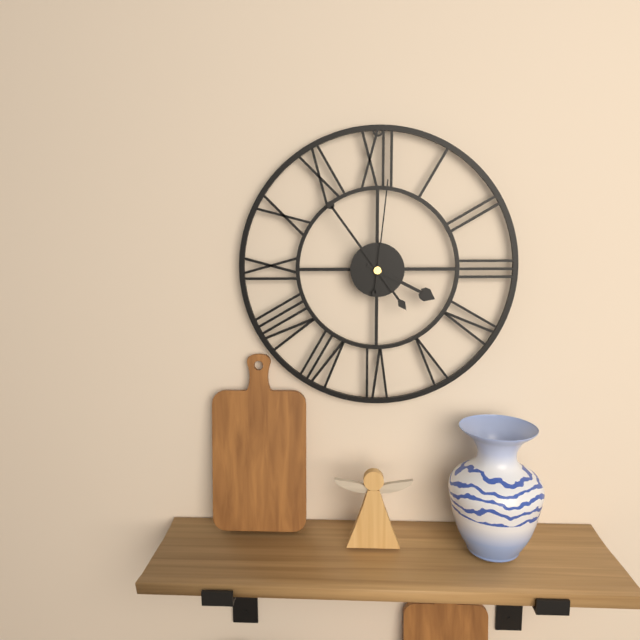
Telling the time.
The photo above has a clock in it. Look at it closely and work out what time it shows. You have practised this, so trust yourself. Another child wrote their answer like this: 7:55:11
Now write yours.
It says 3:54:01
